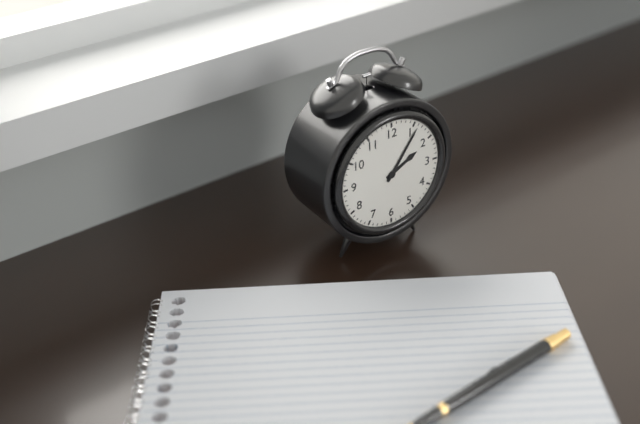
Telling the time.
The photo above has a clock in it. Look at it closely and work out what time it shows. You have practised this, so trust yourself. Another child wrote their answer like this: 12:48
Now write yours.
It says 2:06
